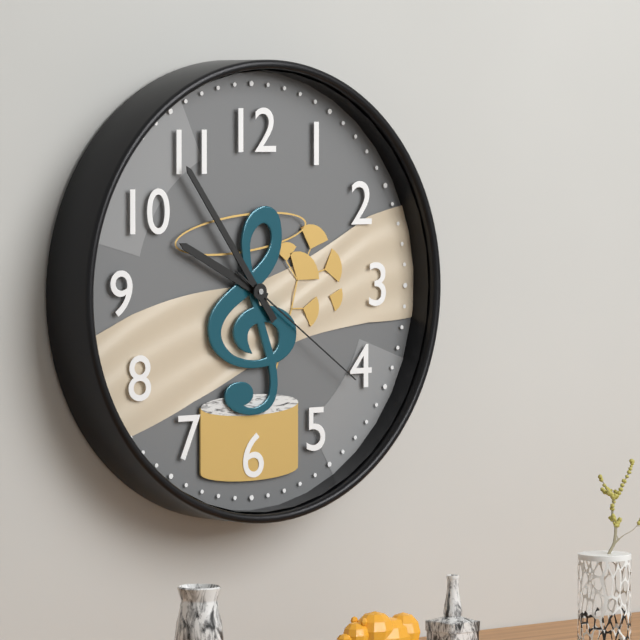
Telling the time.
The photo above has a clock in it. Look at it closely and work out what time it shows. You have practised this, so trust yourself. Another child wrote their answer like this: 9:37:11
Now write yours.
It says 9:54:21
